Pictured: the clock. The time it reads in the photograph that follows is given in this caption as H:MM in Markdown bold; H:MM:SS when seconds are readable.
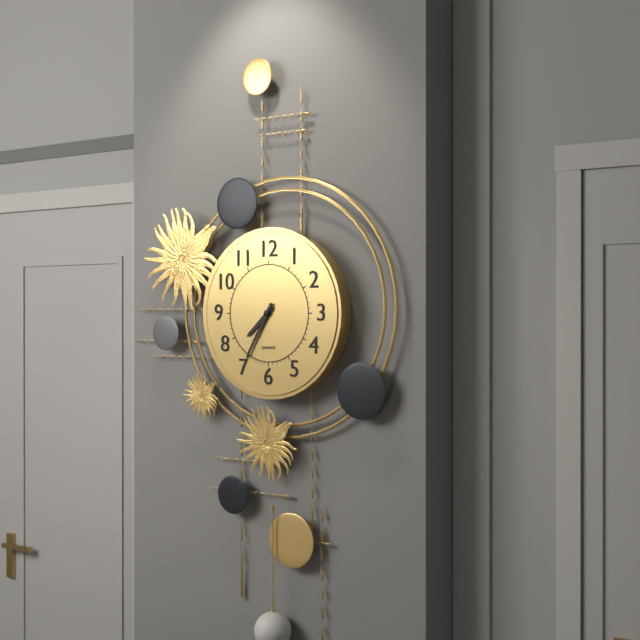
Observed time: **7:35**
